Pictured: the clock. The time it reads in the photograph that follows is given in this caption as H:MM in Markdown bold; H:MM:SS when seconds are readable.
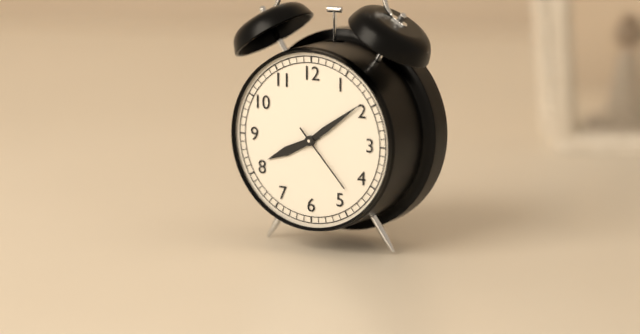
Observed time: **8:09:23**
